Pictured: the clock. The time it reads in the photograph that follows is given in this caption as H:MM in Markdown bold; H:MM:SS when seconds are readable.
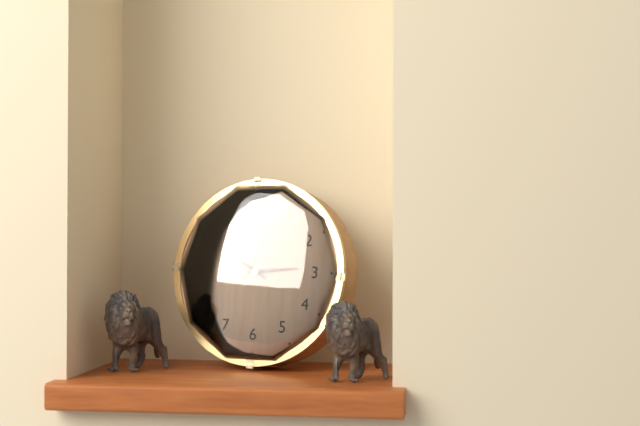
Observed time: **2:50:06**
